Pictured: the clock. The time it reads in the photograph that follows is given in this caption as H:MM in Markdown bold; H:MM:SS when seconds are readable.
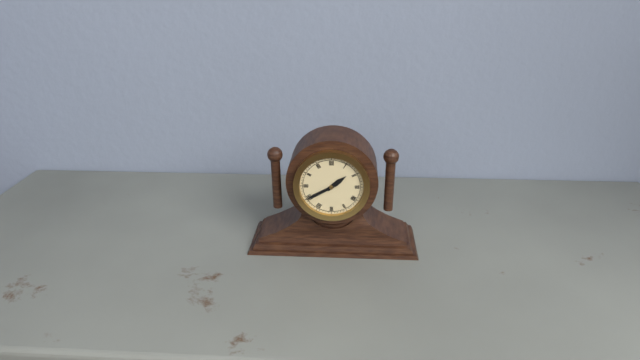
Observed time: **1:40**
